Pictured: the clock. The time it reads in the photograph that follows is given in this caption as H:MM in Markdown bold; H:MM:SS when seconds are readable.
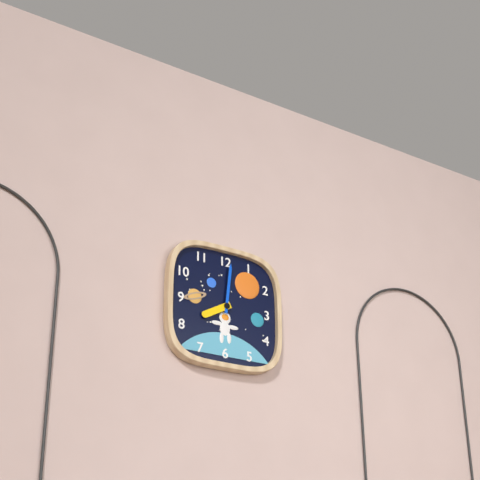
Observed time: **8:01**
